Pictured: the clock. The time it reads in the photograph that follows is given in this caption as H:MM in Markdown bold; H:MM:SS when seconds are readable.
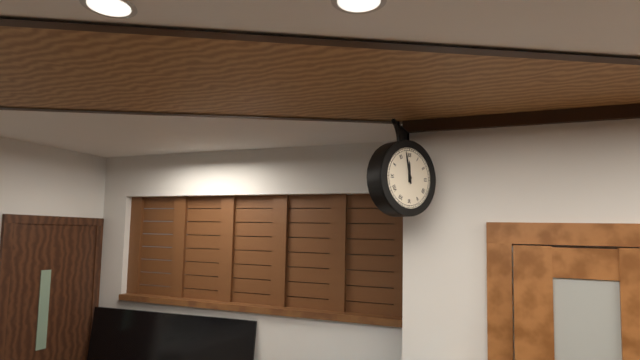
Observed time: **11:58**
